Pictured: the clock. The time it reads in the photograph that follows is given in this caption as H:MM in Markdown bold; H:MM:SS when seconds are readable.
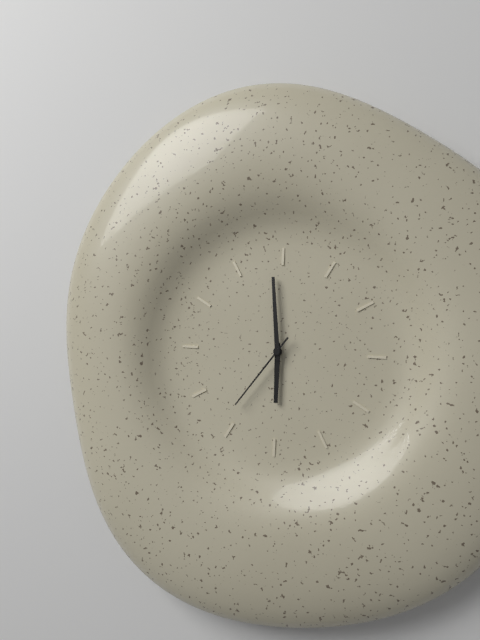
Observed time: **5:59:36**
